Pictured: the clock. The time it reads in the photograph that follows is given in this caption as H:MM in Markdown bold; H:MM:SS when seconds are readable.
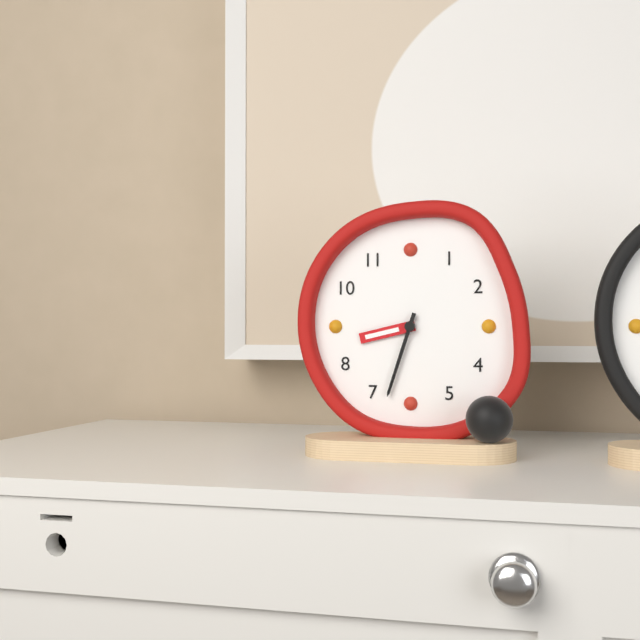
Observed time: **8:33**
